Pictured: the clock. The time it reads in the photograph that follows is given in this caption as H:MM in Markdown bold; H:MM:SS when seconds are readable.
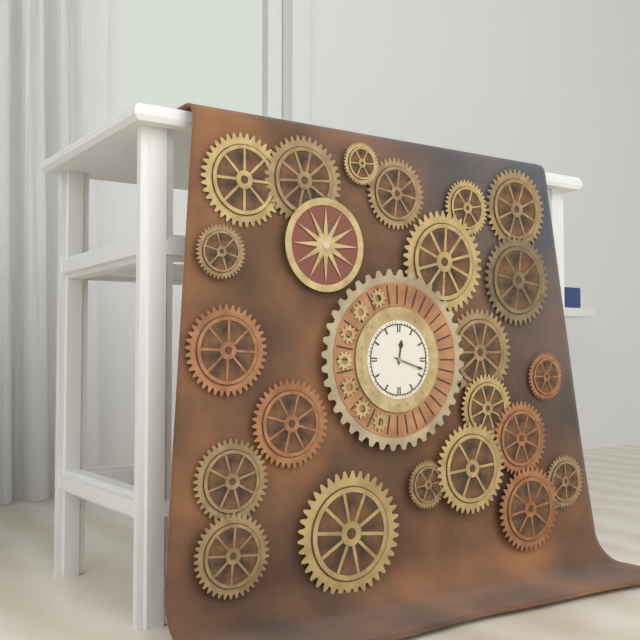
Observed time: **12:18**
